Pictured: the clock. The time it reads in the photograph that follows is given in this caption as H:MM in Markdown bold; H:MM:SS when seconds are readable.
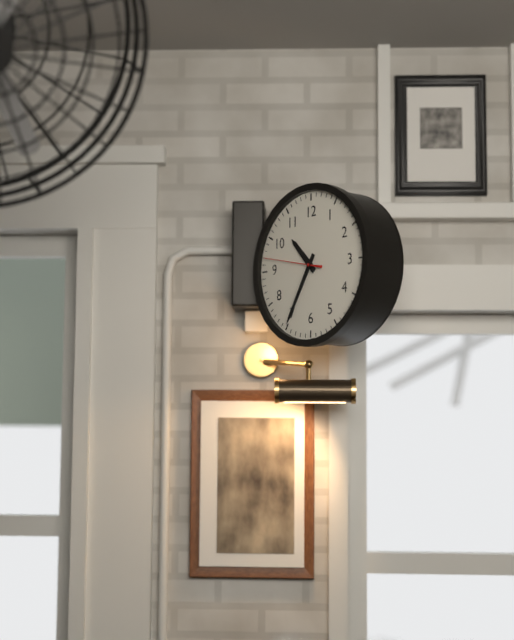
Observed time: **10:35:47**
